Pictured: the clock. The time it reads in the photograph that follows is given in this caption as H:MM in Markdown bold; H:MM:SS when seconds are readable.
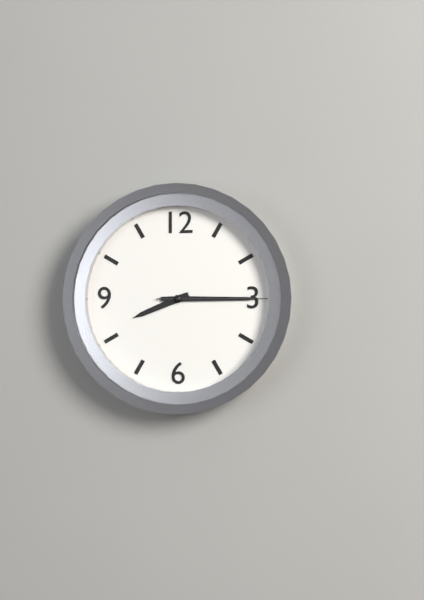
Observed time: **8:15:15**
